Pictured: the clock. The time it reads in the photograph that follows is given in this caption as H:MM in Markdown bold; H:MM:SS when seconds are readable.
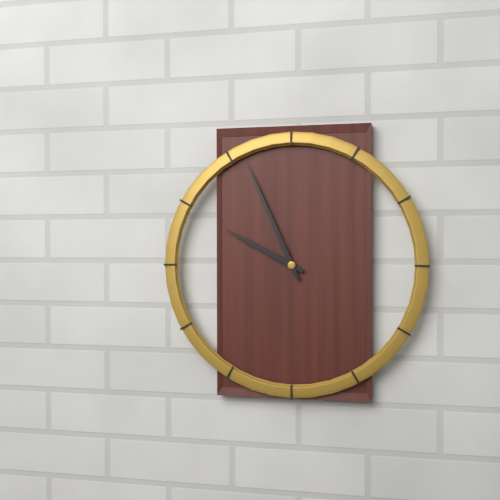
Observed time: **9:56**
